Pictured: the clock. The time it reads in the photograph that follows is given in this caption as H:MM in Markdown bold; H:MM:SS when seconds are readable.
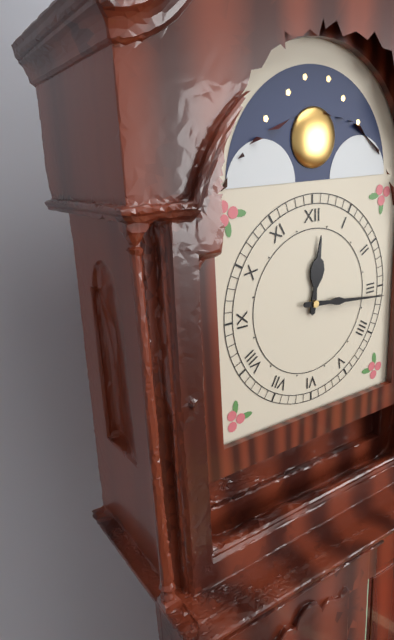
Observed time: **12:16**
